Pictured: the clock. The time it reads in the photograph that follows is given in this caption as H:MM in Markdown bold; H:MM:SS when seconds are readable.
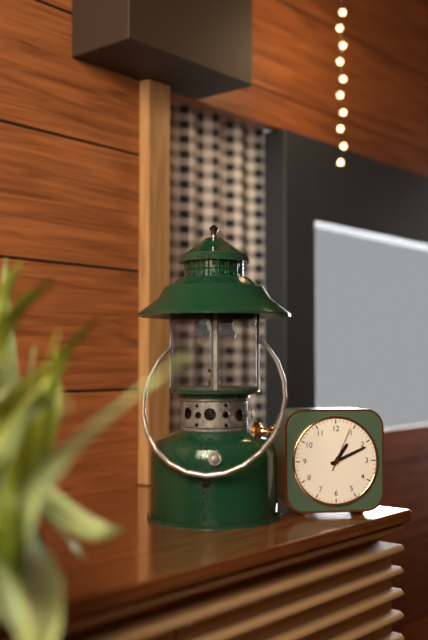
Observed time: **1:11**
